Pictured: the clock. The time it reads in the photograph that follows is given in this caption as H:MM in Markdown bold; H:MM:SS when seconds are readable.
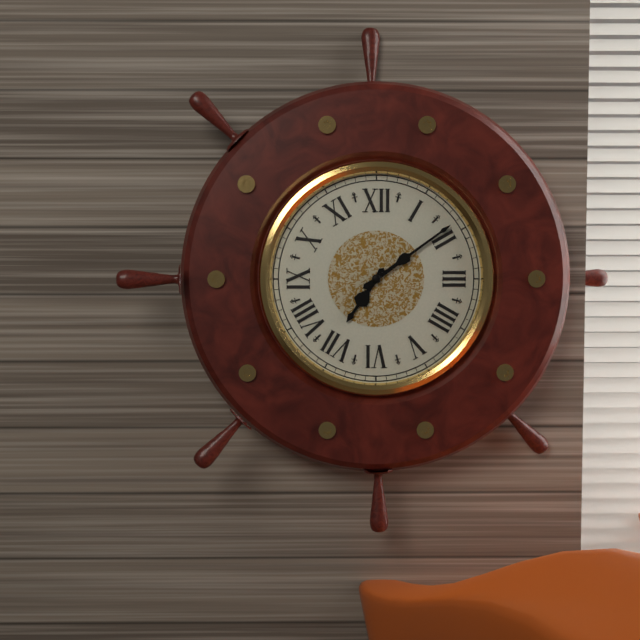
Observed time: **7:09**
